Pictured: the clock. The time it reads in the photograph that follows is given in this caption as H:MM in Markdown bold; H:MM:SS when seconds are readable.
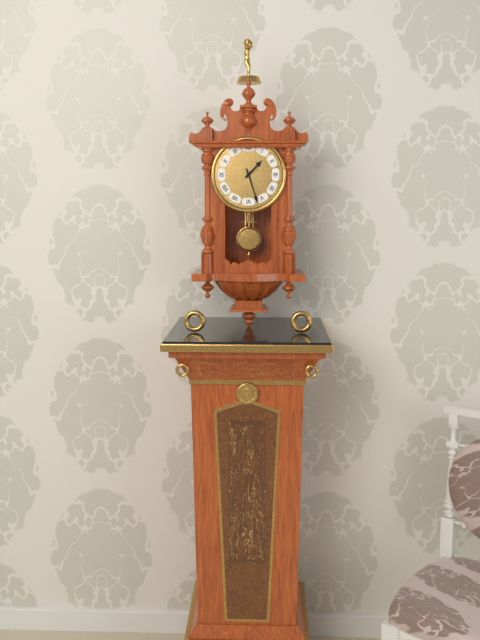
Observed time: **1:27**
